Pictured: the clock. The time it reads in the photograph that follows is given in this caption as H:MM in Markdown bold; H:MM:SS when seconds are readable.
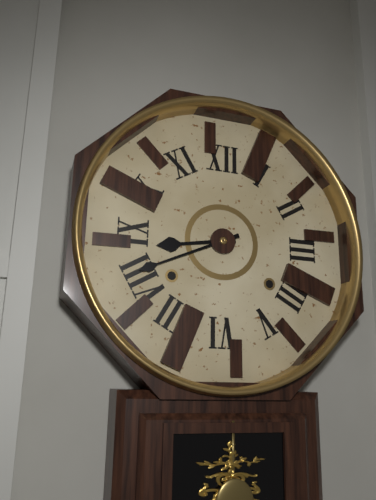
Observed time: **8:41**
